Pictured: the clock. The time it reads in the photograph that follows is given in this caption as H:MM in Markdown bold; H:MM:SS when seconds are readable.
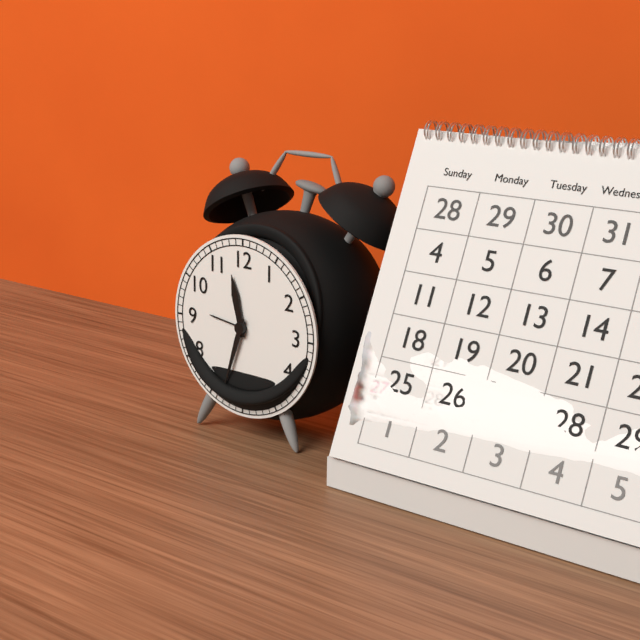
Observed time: **11:33**
